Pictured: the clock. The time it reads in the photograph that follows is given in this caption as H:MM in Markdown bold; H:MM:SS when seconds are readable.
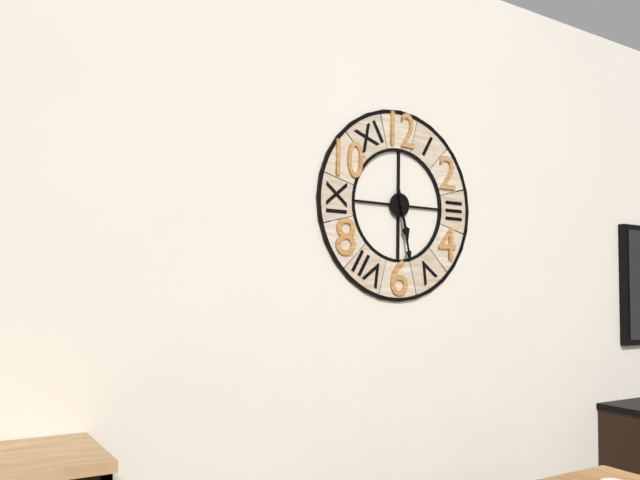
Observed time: **5:28**
